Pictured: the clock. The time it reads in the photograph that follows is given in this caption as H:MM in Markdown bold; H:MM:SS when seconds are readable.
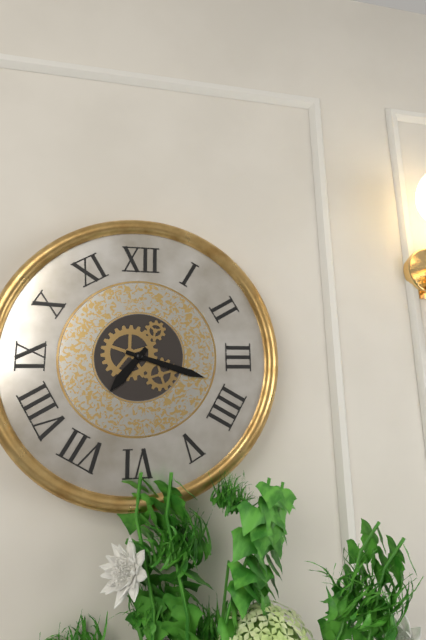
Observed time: **7:18**
